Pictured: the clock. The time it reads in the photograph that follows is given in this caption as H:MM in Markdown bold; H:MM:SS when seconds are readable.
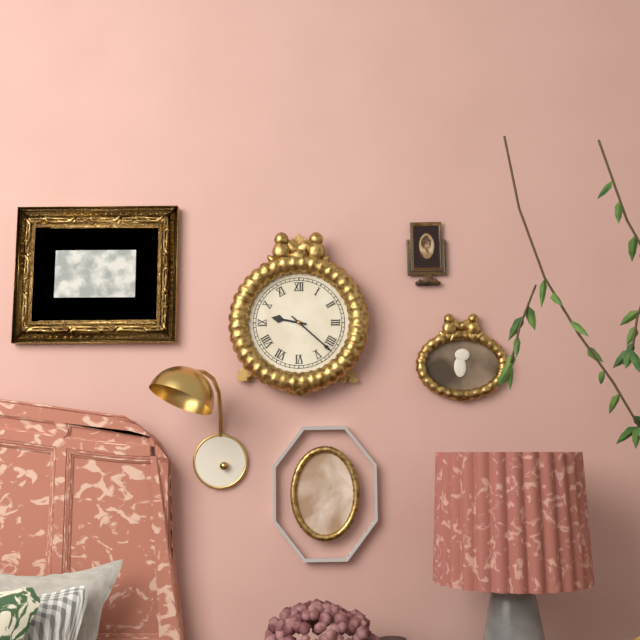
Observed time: **9:22**
